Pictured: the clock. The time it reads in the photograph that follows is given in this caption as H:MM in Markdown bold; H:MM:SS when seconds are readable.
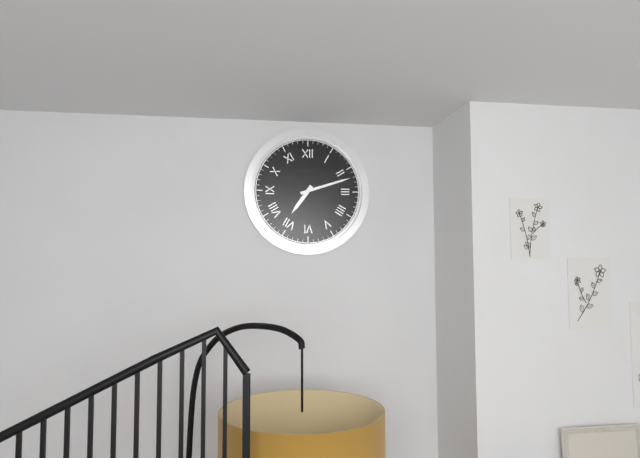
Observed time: **7:12**
